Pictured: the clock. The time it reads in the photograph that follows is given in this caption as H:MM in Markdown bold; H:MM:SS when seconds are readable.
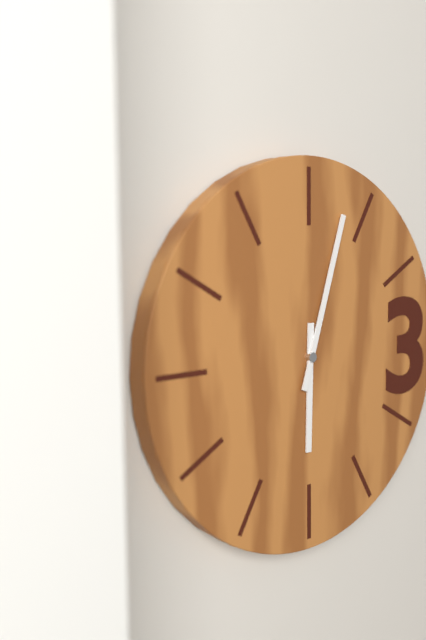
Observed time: **6:03**
